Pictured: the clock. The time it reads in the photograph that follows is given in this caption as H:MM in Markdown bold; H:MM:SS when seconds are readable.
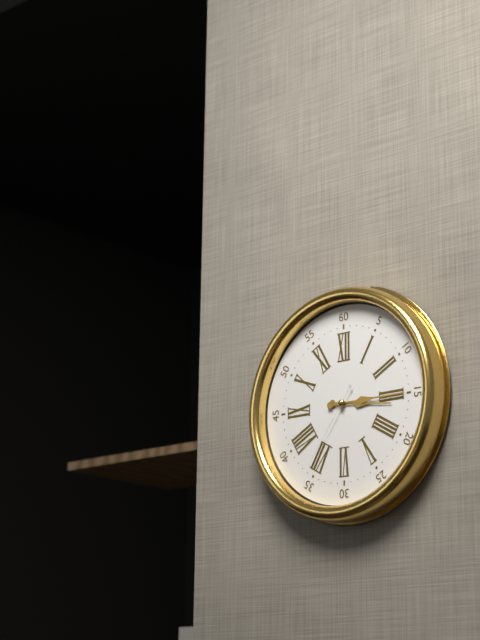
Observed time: **3:15:36**
